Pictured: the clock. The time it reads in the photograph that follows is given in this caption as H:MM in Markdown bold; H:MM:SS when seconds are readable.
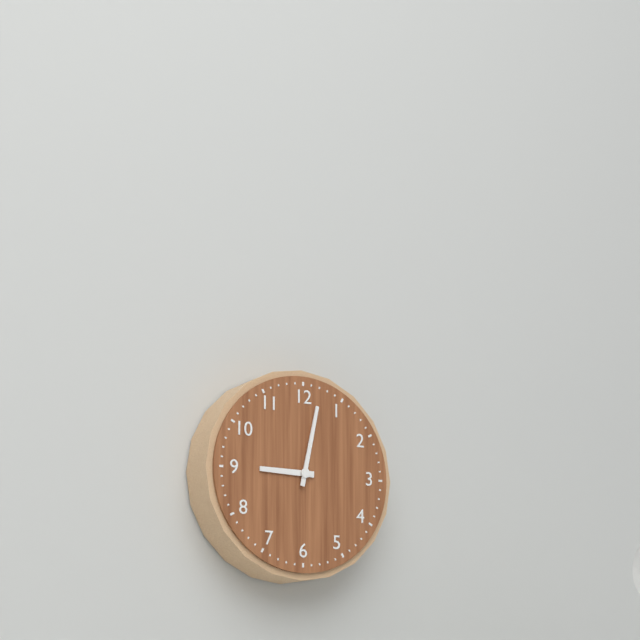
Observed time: **9:02**
